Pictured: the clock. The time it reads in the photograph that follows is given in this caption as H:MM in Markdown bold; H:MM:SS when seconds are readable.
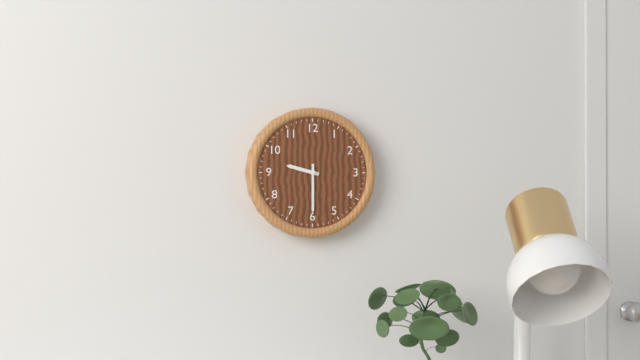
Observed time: **9:30**
